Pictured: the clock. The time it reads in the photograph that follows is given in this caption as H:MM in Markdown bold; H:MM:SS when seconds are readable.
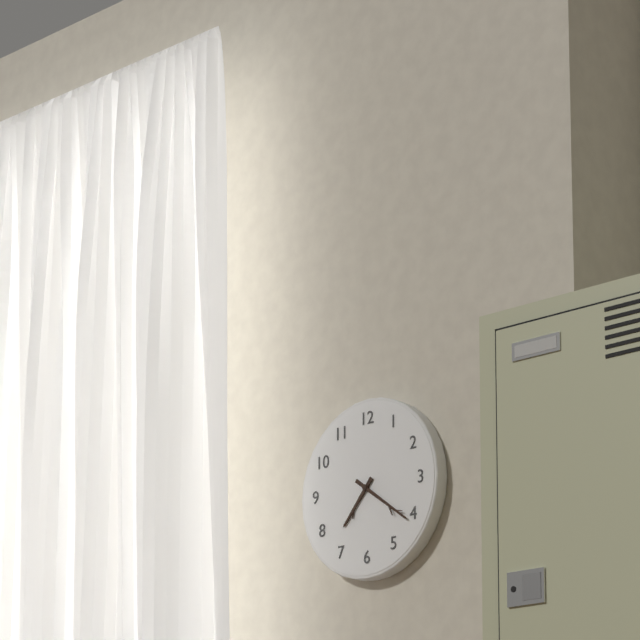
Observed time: **7:21**
